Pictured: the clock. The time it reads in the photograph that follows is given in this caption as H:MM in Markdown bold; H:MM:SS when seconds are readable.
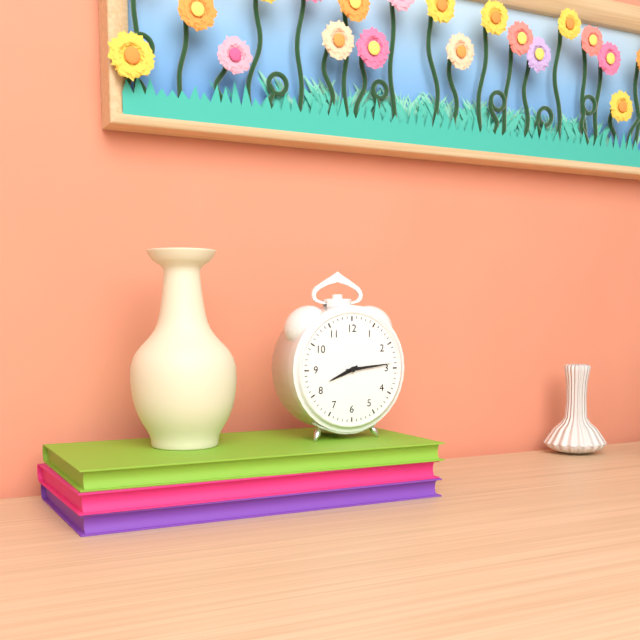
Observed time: **8:14**
